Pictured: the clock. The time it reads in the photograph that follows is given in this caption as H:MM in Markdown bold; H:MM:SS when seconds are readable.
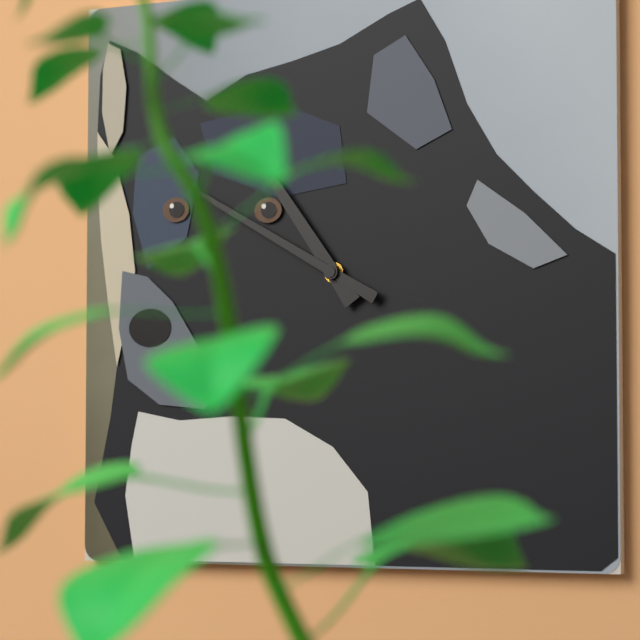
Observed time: **10:50**
